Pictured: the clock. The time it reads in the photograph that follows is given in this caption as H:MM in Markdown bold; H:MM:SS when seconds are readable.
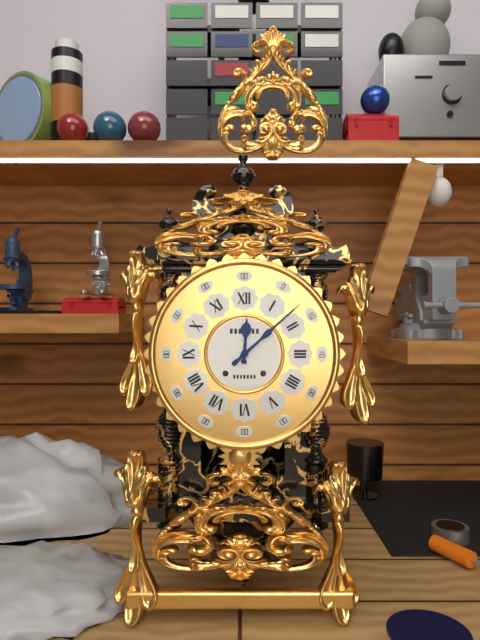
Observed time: **12:08**
